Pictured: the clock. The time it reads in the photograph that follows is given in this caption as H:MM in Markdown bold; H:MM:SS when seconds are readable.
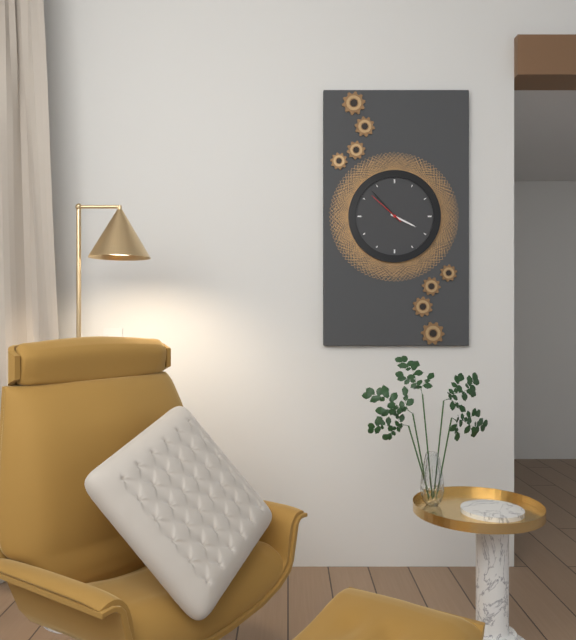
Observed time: **3:53**
